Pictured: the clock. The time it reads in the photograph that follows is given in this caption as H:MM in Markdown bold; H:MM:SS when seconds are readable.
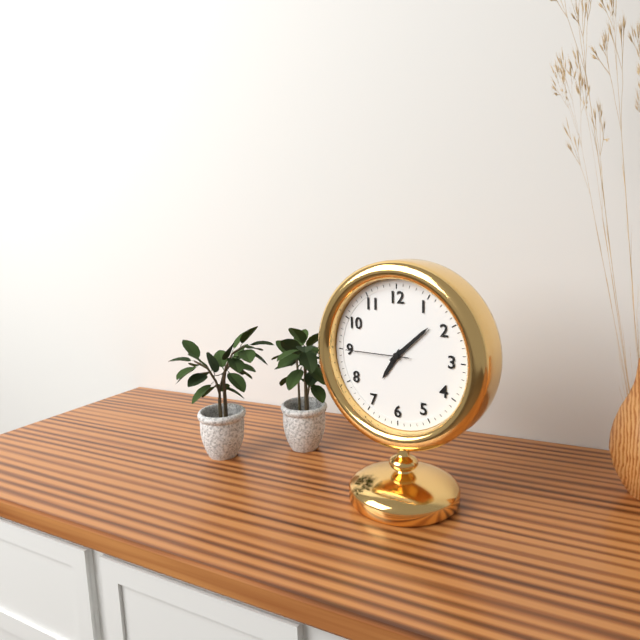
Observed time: **7:08:45**
